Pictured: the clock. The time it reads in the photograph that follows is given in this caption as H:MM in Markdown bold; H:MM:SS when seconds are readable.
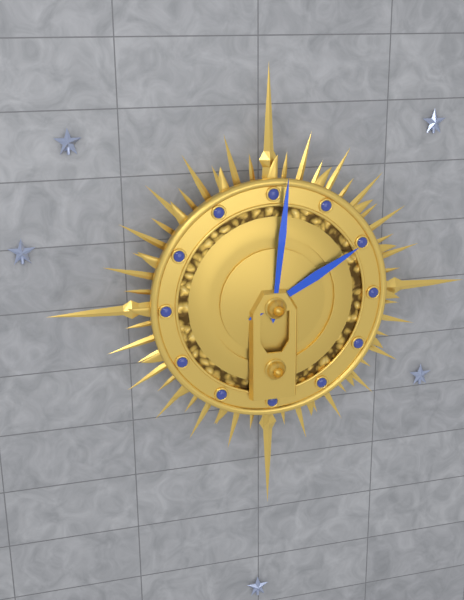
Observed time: **2:01**
